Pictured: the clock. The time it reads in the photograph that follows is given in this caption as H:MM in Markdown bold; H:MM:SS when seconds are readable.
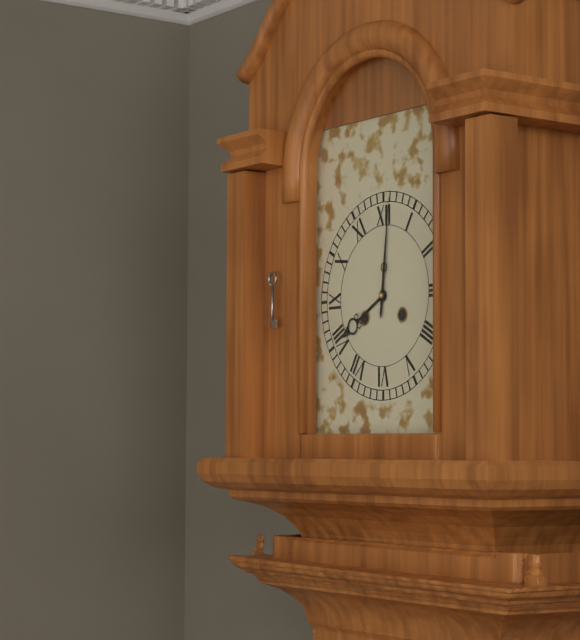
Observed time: **8:01**
